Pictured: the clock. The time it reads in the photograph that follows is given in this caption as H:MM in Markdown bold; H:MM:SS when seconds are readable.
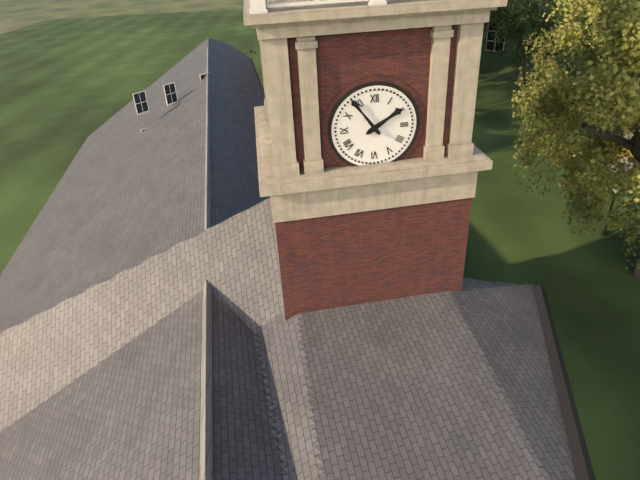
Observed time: **1:54**
